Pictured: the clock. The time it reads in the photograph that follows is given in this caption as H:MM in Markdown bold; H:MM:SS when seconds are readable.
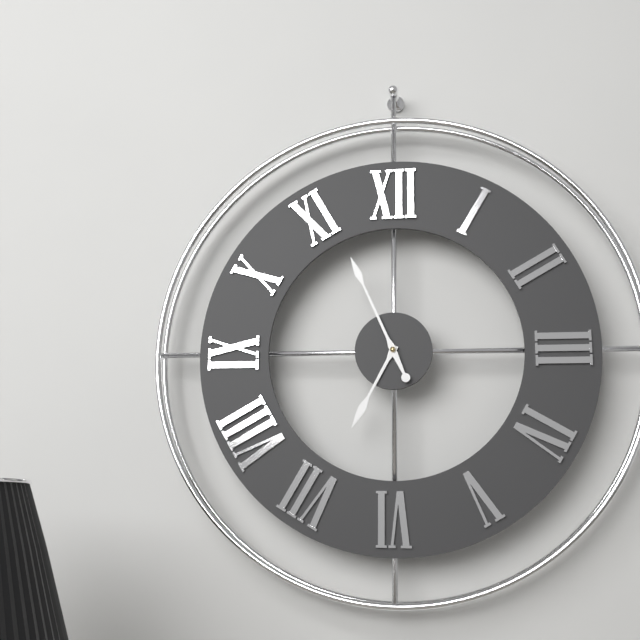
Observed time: **6:56**
